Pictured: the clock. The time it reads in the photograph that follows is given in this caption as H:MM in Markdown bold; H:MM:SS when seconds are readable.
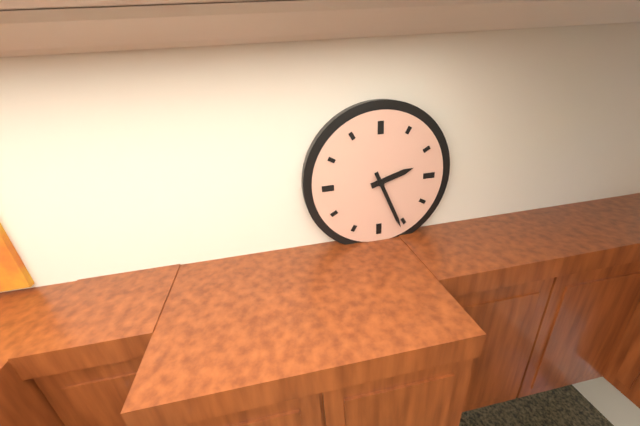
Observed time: **2:26**
